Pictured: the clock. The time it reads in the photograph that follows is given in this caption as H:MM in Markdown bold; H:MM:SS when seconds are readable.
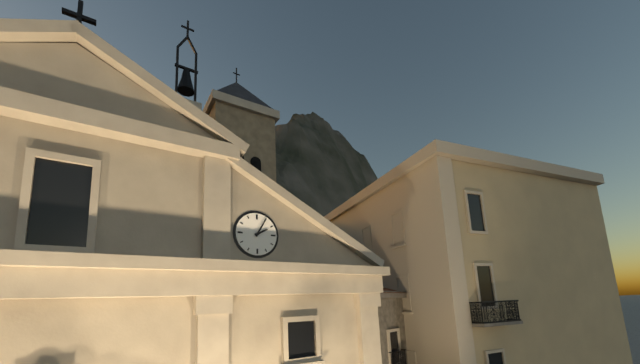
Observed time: **2:05**
